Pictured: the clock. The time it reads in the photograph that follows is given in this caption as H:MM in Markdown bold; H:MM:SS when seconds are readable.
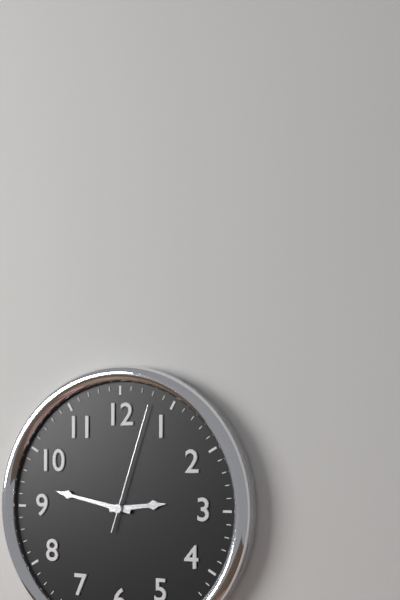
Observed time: **2:47:03**
